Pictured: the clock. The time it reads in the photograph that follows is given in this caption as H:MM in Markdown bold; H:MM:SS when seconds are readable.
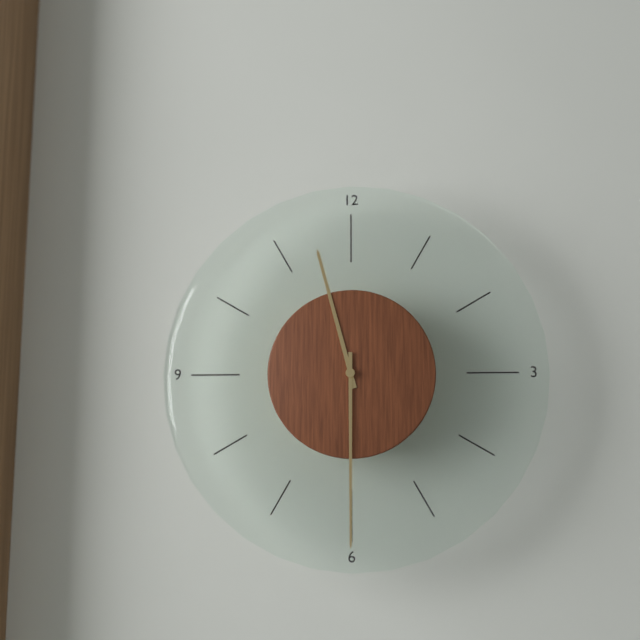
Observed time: **11:30**
